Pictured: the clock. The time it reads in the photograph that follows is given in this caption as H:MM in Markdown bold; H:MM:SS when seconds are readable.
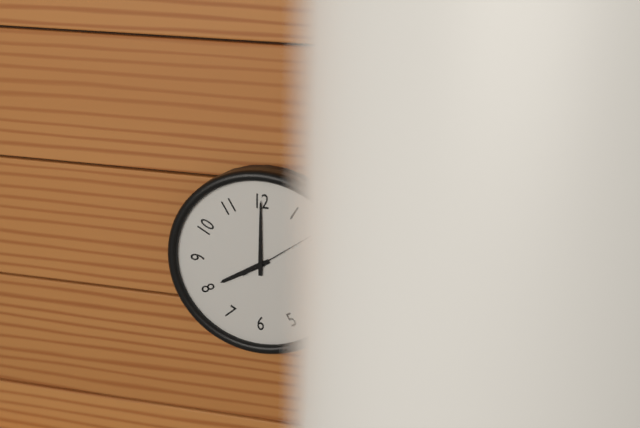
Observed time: **8:00**
